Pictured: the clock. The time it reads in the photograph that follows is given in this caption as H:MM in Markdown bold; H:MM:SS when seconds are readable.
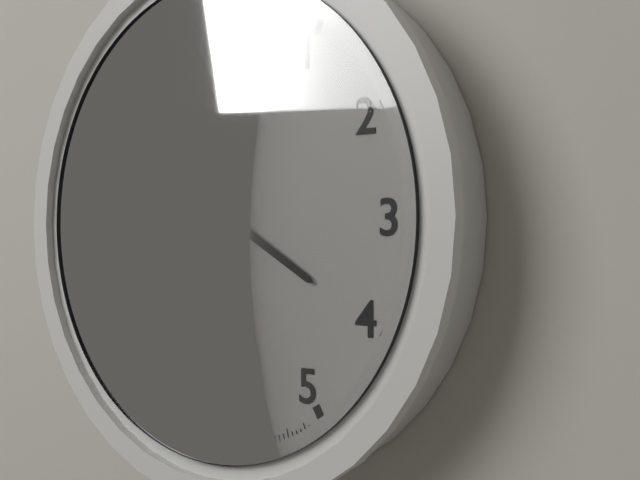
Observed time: **4:01:28**
